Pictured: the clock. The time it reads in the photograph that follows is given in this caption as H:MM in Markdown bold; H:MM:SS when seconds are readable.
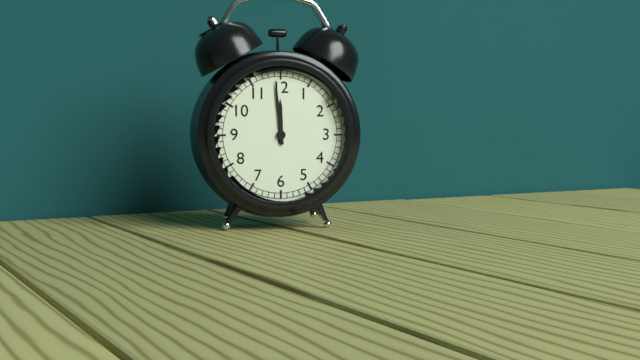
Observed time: **11:59**
